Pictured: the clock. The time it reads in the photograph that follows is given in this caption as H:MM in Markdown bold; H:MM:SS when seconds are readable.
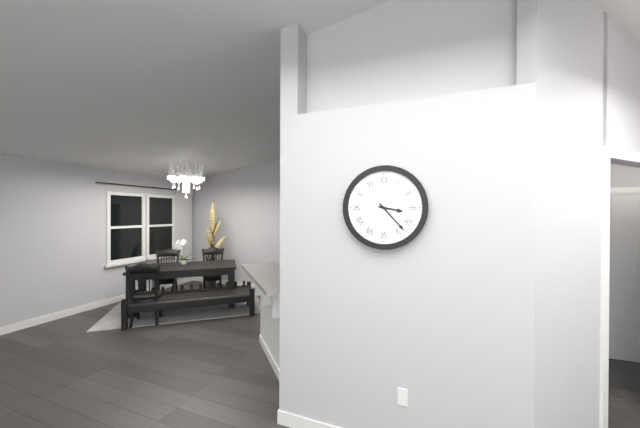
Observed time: **3:23**
